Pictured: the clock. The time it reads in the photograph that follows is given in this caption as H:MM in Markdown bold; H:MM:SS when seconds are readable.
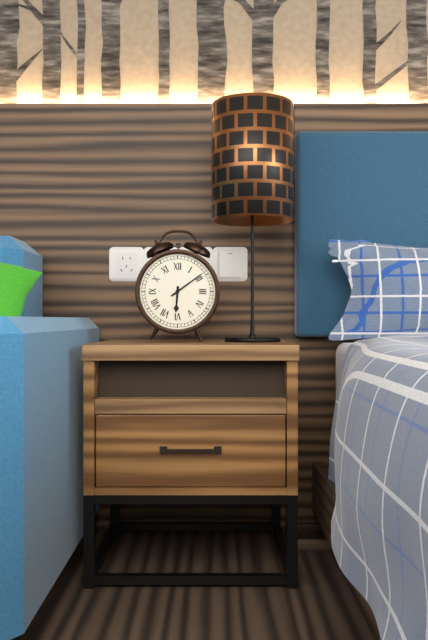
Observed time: **6:09**
